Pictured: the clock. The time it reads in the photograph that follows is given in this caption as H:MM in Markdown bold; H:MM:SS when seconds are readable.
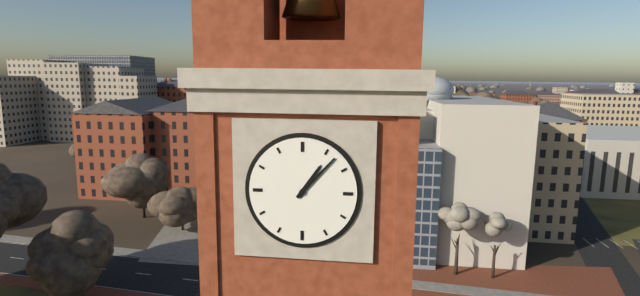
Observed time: **1:07**
